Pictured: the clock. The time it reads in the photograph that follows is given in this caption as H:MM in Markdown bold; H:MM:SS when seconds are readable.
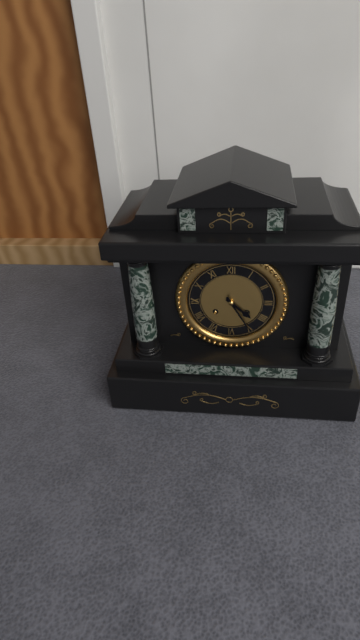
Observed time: **4:25**
